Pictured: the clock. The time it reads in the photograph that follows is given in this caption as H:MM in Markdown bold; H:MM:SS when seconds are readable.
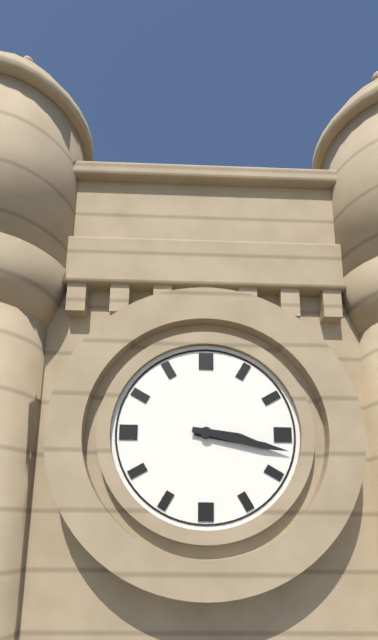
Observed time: **3:17**
